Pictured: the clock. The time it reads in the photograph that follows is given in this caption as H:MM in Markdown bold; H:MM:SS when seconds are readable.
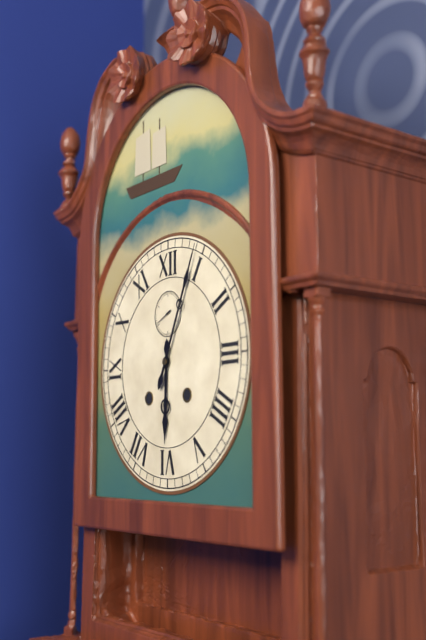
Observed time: **6:04**
